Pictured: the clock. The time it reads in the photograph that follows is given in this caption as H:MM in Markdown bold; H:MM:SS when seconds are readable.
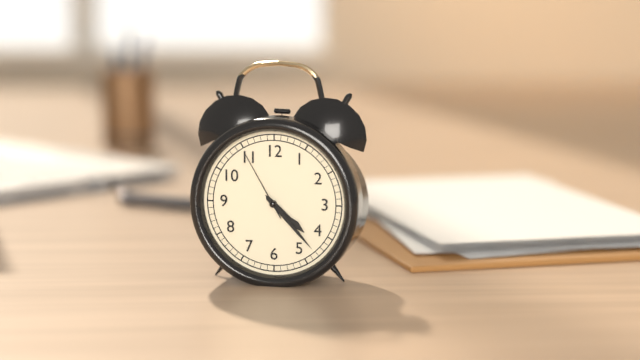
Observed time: **4:23:55**
